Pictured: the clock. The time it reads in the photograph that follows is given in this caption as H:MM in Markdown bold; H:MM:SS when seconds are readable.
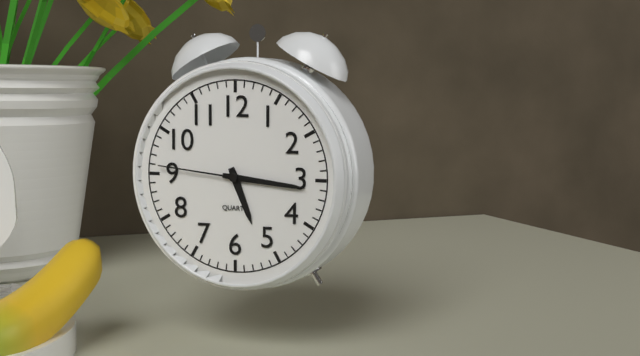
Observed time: **5:16:46**
